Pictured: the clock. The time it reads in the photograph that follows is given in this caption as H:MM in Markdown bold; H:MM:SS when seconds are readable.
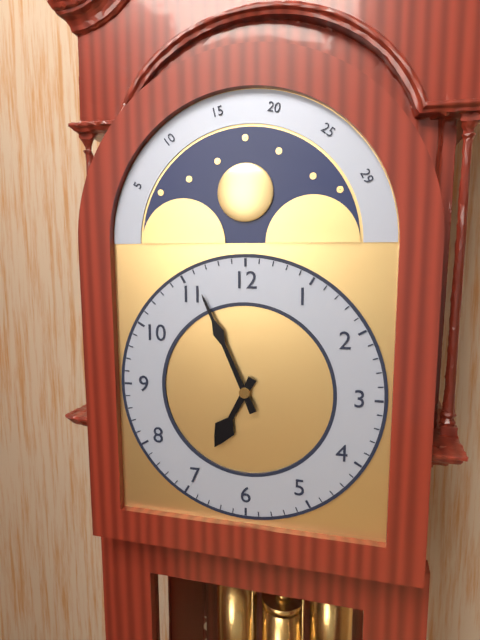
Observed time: **6:56**
